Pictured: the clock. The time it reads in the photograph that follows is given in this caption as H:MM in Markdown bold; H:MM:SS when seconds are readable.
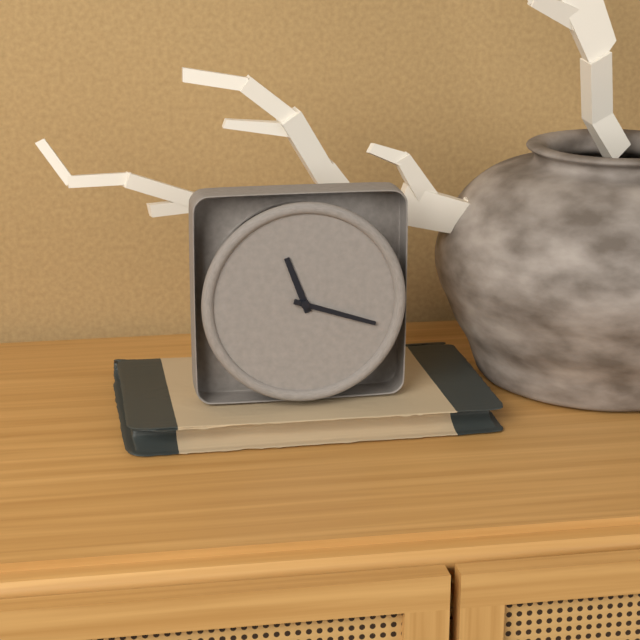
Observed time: **11:18**
